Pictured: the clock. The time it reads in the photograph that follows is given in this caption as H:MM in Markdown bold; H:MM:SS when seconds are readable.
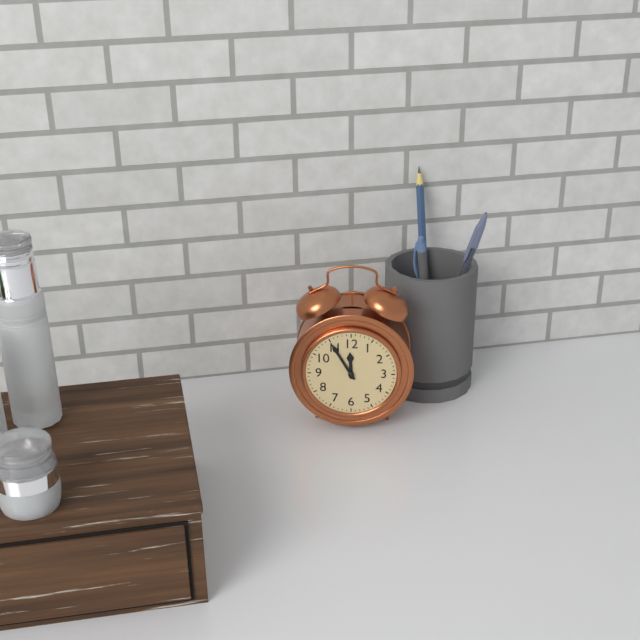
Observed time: **11:55**
